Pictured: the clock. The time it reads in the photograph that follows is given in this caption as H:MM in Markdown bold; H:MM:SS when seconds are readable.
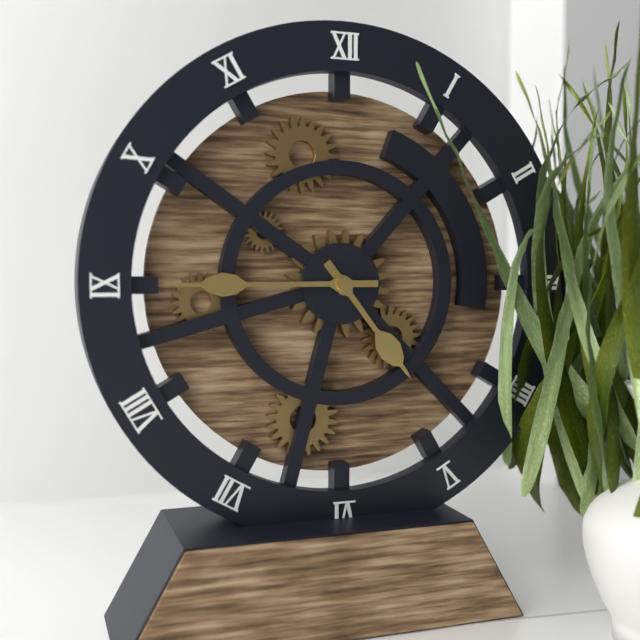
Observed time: **4:45**
